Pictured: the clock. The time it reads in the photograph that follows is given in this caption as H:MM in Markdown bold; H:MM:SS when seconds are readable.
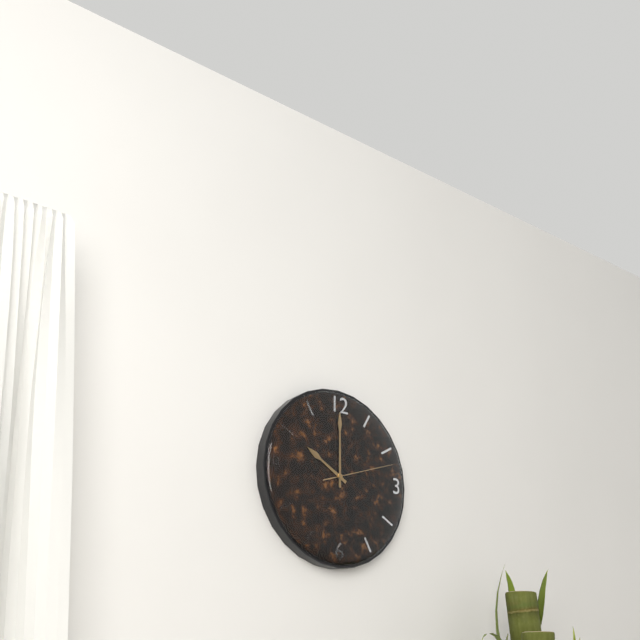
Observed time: **10:00:12**
